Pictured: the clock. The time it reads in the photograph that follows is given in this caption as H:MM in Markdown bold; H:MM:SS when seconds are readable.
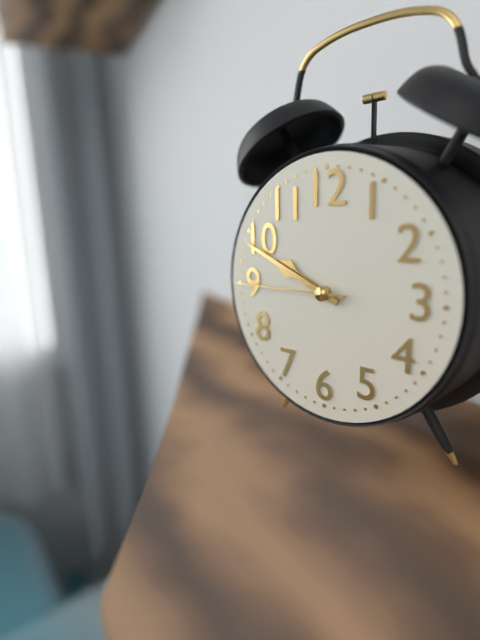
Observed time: **9:49:45**
